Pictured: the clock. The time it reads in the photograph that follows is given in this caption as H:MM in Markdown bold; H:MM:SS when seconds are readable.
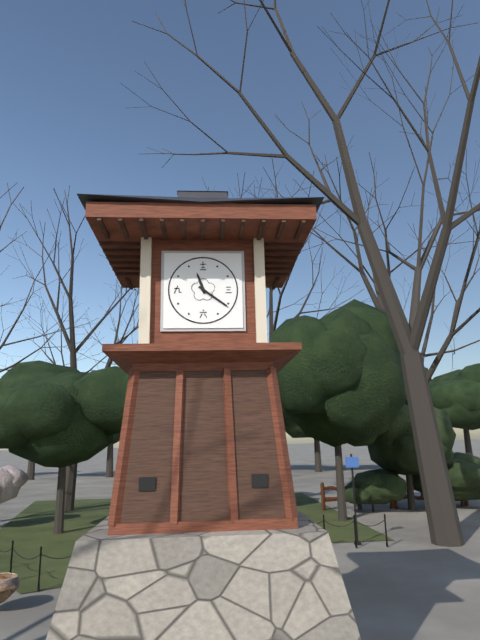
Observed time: **11:21**
